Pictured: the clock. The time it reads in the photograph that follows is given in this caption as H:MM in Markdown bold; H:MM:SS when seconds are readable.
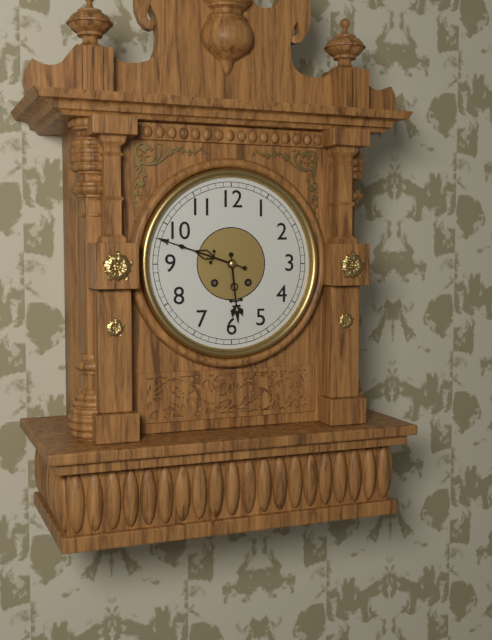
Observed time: **5:48**
